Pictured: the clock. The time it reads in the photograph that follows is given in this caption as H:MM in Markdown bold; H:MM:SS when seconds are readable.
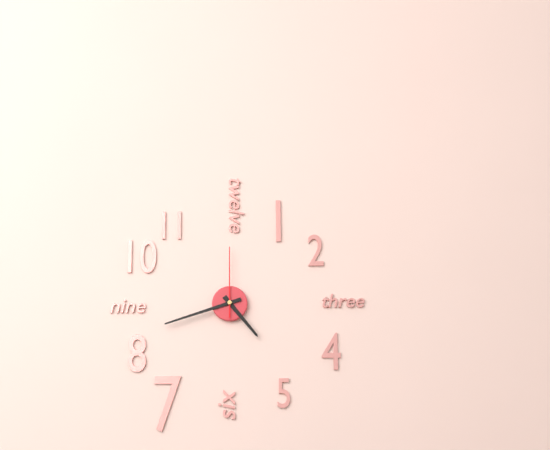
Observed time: **4:42:00**
